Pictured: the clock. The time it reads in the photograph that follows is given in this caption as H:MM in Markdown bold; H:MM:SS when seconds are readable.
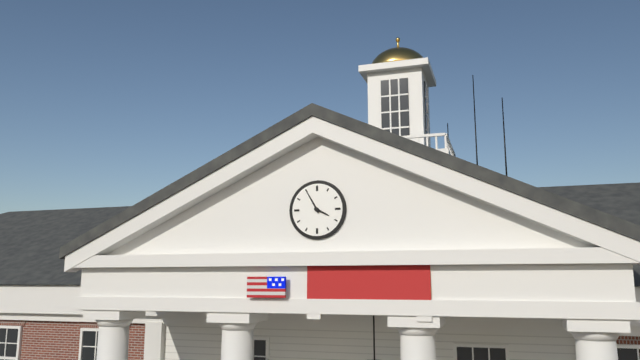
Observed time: **3:55**
